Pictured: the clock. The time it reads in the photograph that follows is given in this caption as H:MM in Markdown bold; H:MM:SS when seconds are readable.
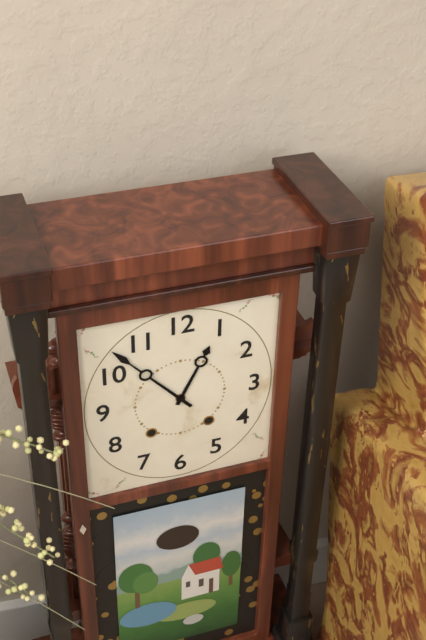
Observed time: **12:53**
